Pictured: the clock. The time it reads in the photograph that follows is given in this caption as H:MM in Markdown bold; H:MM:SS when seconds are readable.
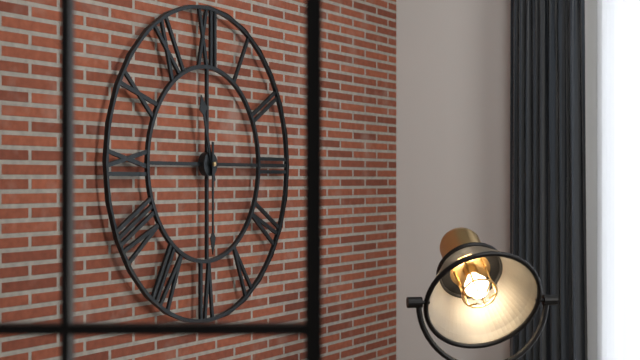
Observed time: **11:30**
